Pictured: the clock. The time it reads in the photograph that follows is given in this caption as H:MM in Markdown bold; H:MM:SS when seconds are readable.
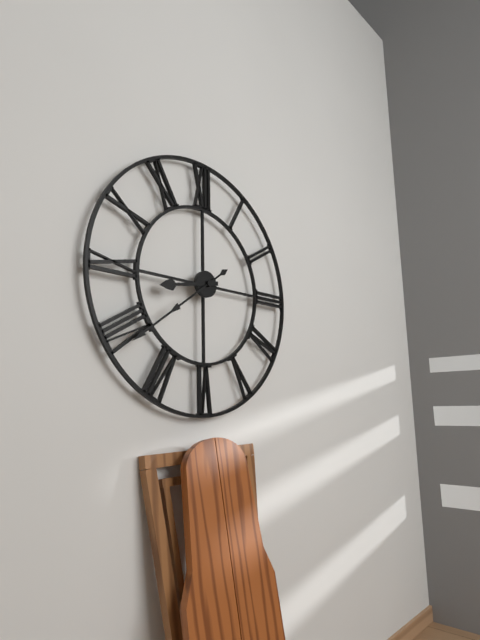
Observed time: **8:39**
